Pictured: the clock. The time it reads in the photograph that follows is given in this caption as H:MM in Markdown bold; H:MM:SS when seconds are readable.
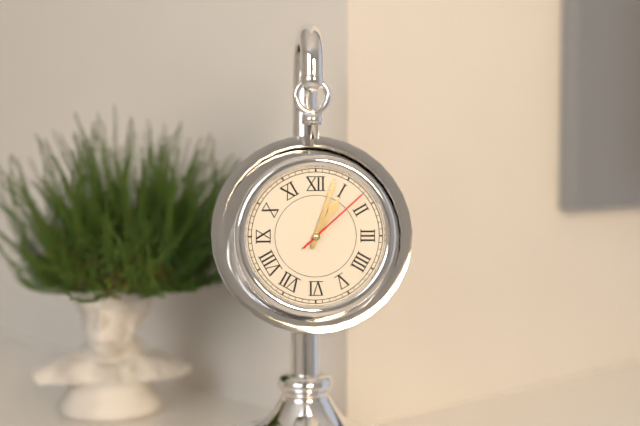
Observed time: **1:03:08**
